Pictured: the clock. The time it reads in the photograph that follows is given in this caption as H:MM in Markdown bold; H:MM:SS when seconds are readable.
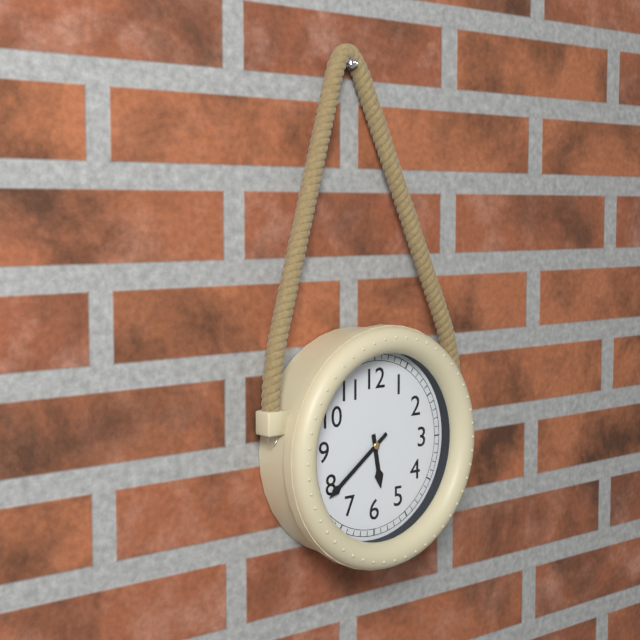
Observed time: **5:39**
